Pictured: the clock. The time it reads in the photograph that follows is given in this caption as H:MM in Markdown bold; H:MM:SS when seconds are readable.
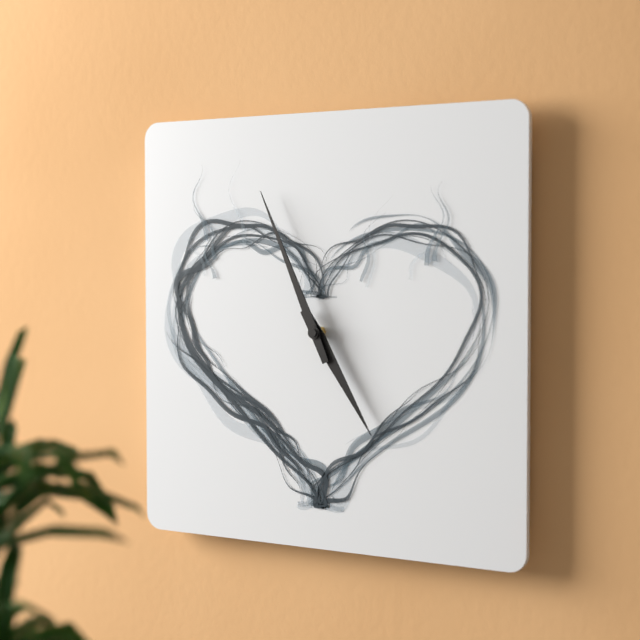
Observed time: **4:56**
